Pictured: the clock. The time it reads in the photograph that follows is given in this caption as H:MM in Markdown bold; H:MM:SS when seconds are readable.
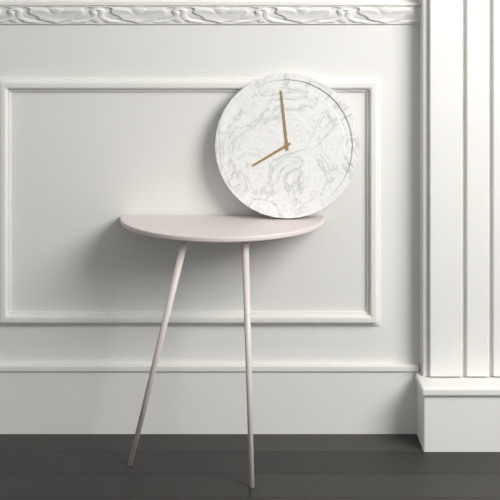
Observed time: **7:59**
